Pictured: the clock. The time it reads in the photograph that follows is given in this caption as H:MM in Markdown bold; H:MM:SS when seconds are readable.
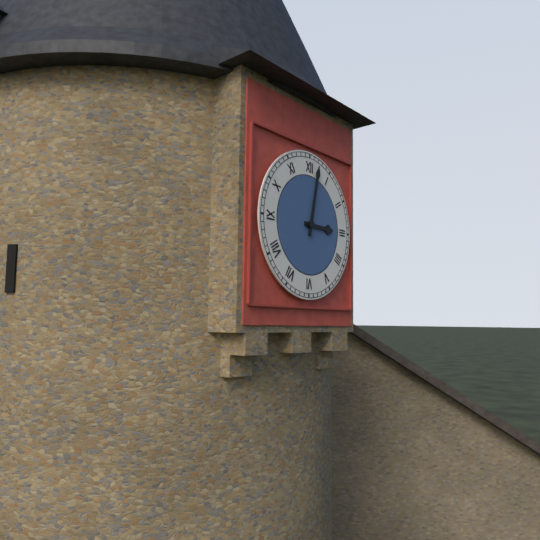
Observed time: **3:02**
